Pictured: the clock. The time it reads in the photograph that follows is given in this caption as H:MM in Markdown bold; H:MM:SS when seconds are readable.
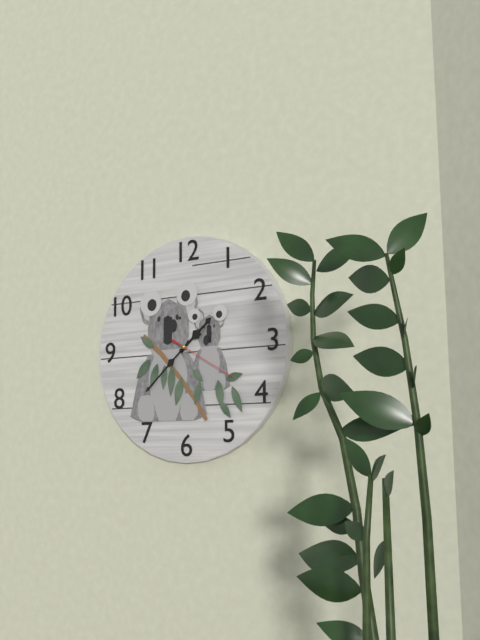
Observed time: **1:38:20**
